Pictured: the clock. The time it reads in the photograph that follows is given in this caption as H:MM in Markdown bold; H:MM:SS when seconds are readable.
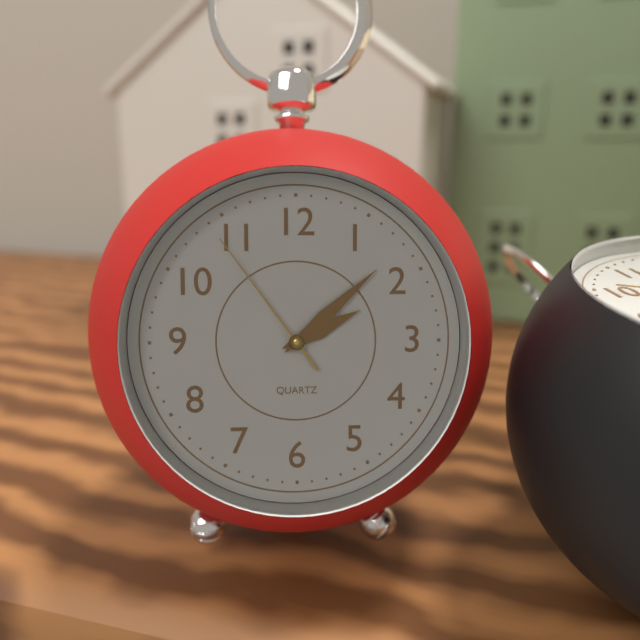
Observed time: **2:08:54**
